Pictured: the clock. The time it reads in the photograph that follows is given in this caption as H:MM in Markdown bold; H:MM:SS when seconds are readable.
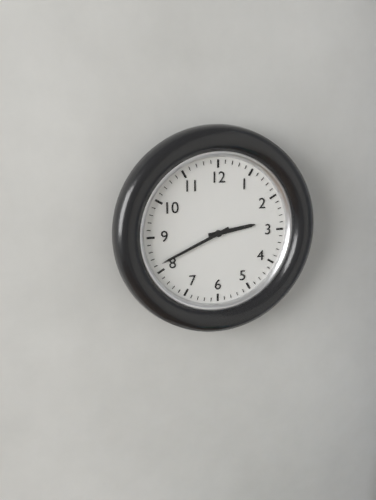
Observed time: **2:41**
